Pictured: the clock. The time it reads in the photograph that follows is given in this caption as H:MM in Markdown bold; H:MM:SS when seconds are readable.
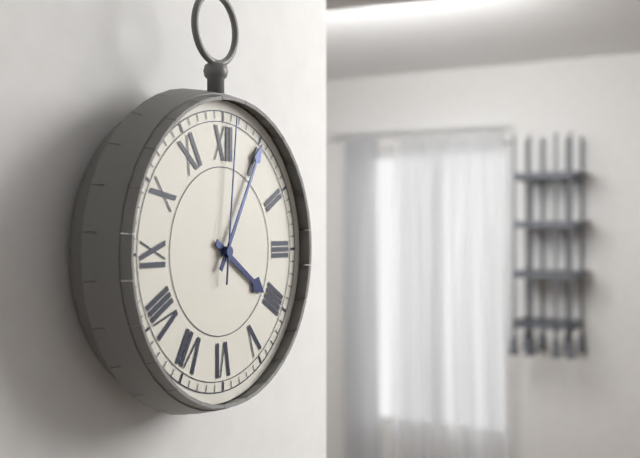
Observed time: **4:05:01**
